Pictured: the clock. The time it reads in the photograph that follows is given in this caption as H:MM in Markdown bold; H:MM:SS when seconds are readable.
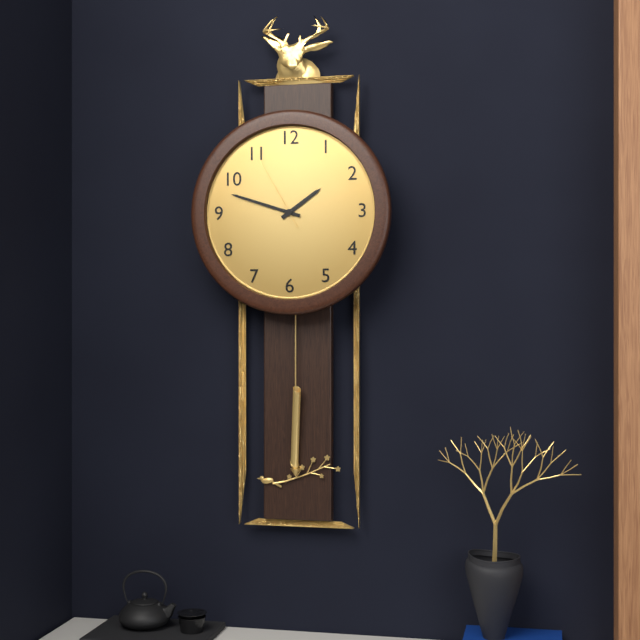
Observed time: **1:48:55**
